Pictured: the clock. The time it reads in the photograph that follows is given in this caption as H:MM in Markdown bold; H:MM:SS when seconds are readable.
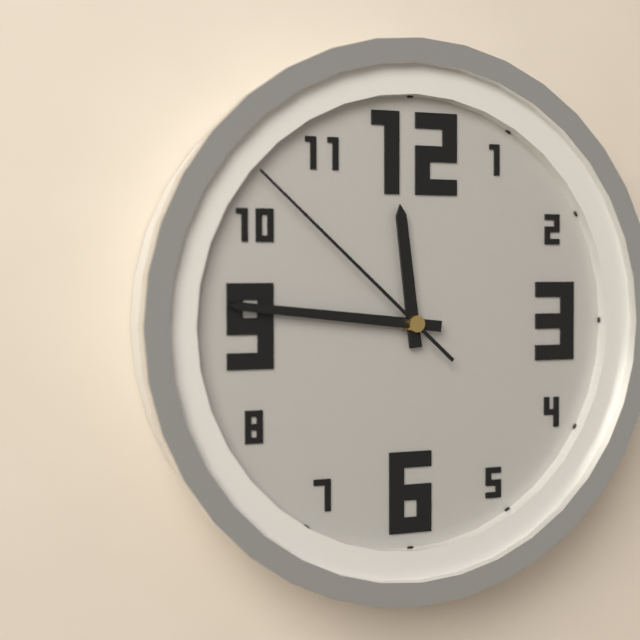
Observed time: **11:46:52**
